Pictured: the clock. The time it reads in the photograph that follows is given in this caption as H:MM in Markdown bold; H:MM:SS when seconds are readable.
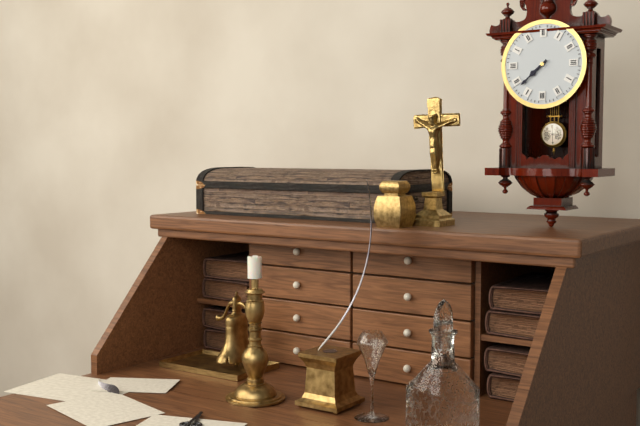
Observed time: **7:38**
